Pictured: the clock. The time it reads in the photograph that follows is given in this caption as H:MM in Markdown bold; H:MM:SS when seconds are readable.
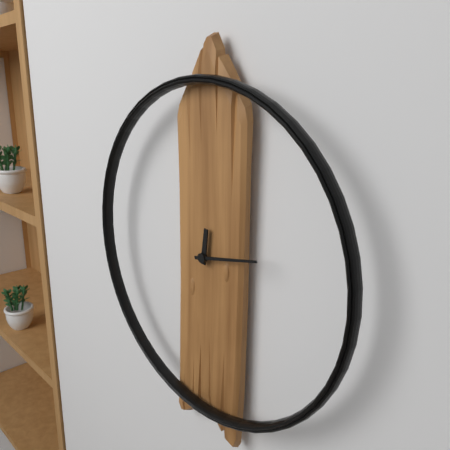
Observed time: **12:13**
